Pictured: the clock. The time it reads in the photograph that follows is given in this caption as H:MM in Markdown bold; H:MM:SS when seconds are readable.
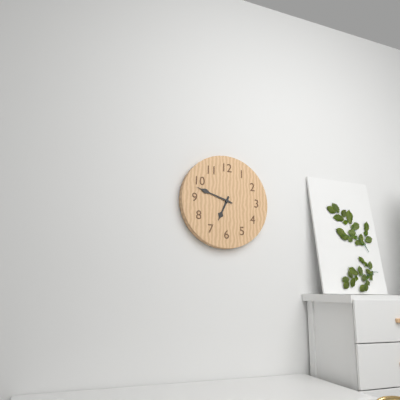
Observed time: **6:48**
